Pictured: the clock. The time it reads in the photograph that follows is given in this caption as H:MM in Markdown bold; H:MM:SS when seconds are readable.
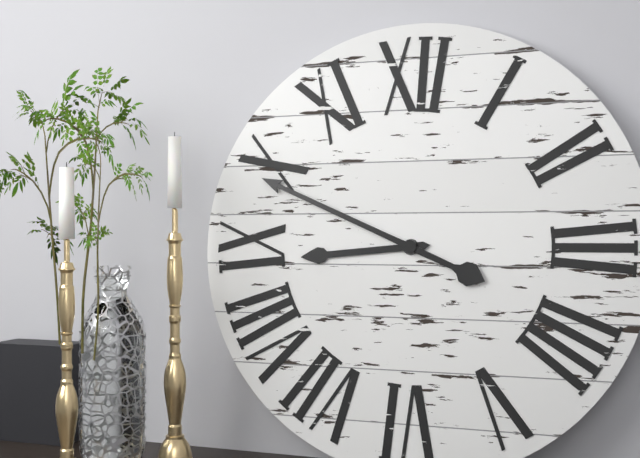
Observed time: **8:49**
